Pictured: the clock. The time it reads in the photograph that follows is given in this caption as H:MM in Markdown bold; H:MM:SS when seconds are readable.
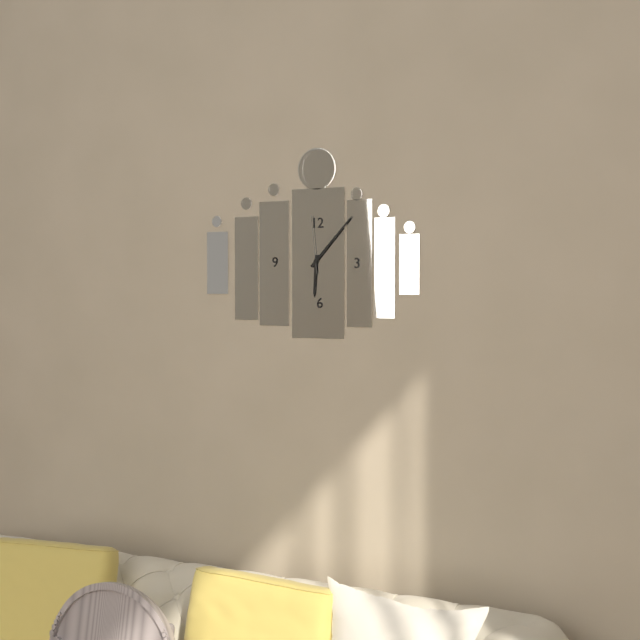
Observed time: **6:07:59**
